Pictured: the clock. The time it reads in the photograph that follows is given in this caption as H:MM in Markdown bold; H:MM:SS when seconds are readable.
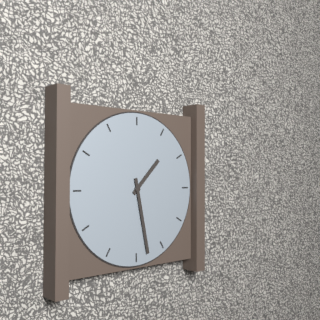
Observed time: **1:28**
